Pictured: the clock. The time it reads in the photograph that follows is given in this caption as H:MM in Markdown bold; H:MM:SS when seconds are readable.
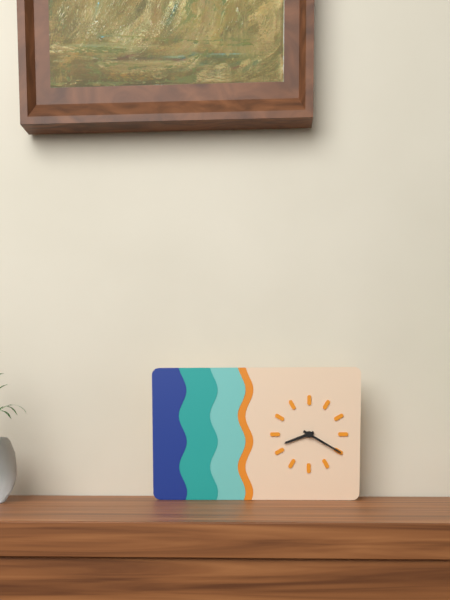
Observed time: **8:20**
